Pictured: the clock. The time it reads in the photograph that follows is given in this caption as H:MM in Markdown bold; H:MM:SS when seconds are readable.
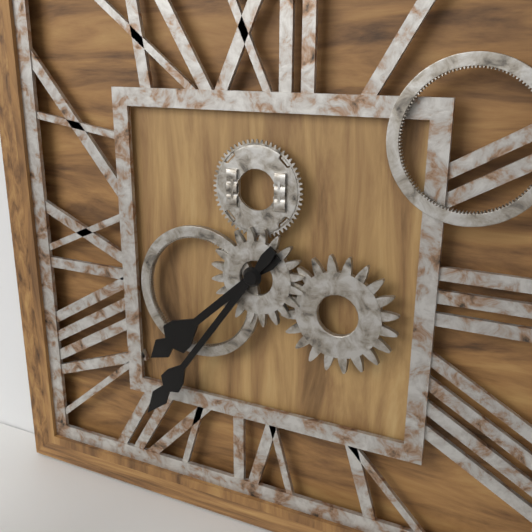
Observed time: **7:36**
